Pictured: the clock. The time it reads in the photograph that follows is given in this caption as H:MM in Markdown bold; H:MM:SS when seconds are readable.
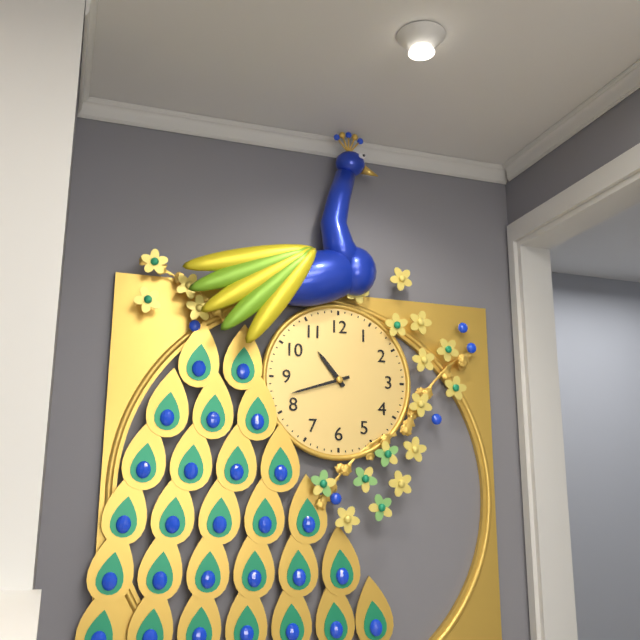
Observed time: **10:42**
